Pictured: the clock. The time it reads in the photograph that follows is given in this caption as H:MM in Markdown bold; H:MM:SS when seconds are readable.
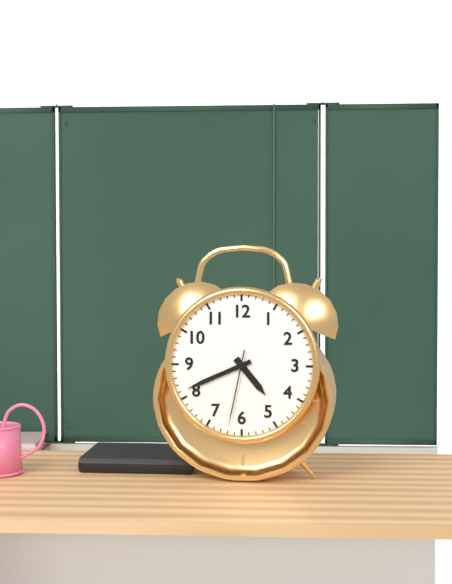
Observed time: **4:41:32**
